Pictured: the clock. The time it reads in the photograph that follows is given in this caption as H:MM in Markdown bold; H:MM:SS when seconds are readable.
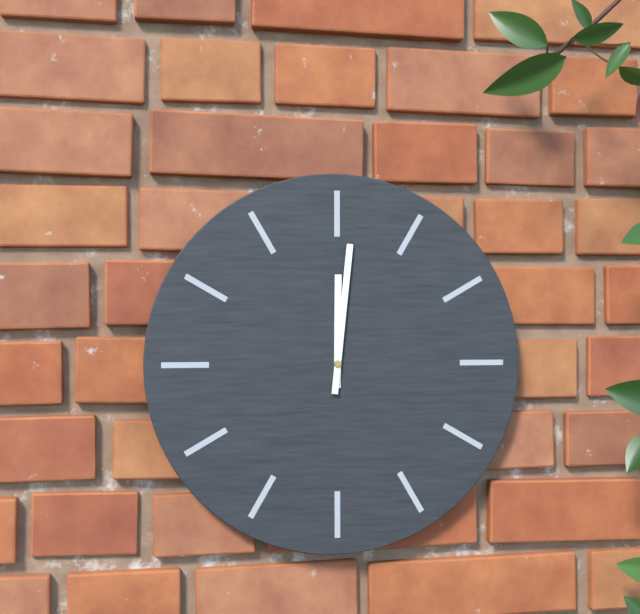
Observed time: **12:01**
